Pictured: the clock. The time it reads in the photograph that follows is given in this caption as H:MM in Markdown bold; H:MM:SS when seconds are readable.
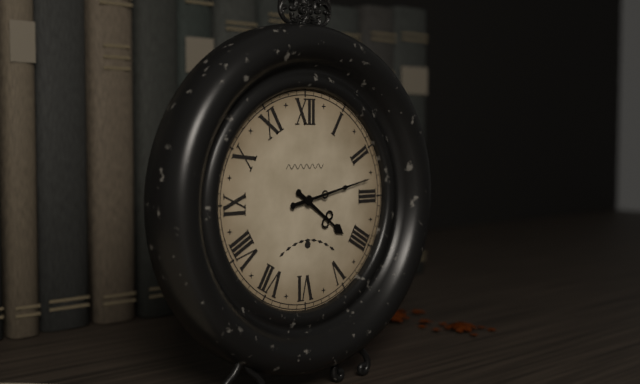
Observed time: **4:13**
